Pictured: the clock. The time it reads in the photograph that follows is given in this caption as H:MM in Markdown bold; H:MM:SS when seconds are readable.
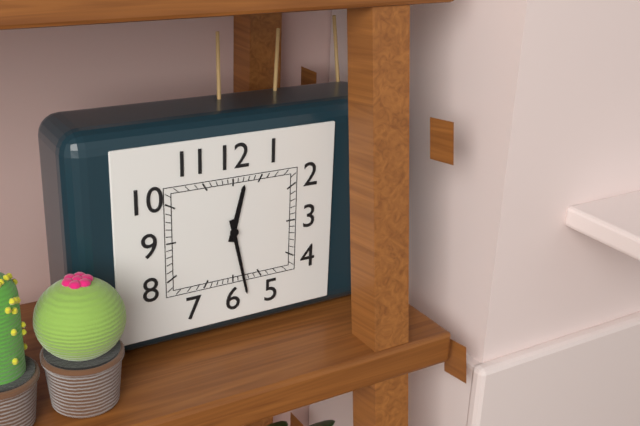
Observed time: **12:28**
